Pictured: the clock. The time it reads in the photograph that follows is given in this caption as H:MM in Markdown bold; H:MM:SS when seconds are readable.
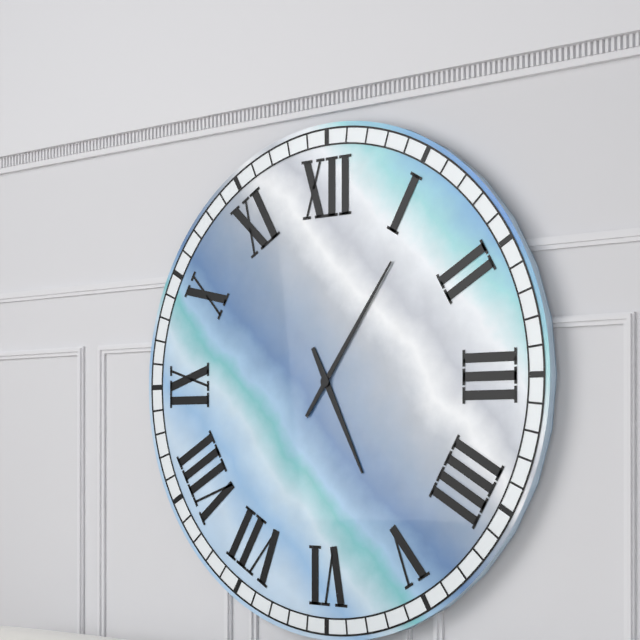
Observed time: **5:06**
